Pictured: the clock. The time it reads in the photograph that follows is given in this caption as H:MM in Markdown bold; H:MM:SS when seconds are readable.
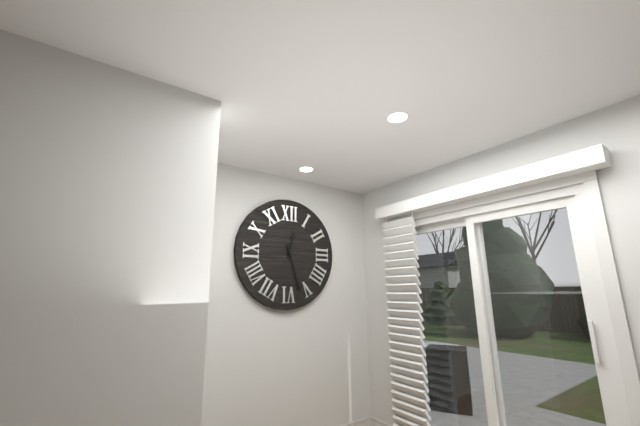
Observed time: **12:27**
